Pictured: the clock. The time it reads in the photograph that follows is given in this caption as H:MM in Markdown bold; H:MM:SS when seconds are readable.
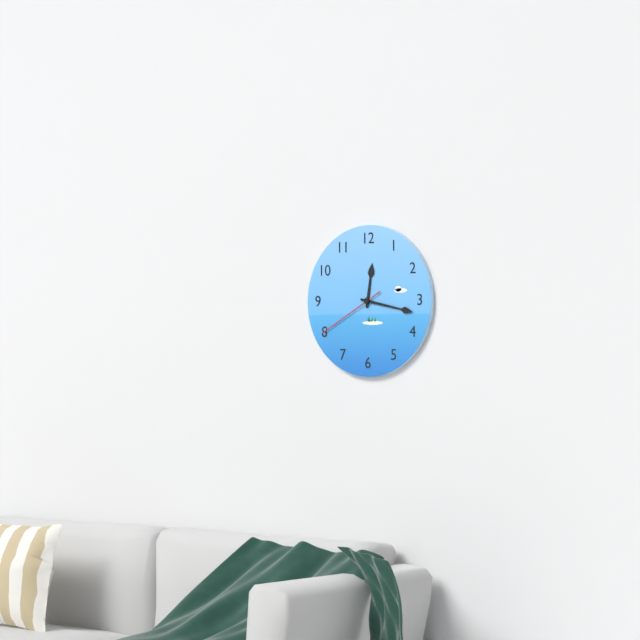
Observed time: **12:17:40**
